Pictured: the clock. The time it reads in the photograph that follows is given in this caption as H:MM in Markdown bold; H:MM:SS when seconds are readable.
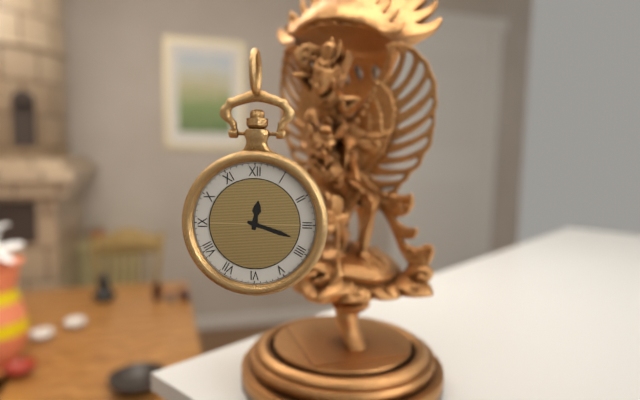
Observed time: **12:18**
